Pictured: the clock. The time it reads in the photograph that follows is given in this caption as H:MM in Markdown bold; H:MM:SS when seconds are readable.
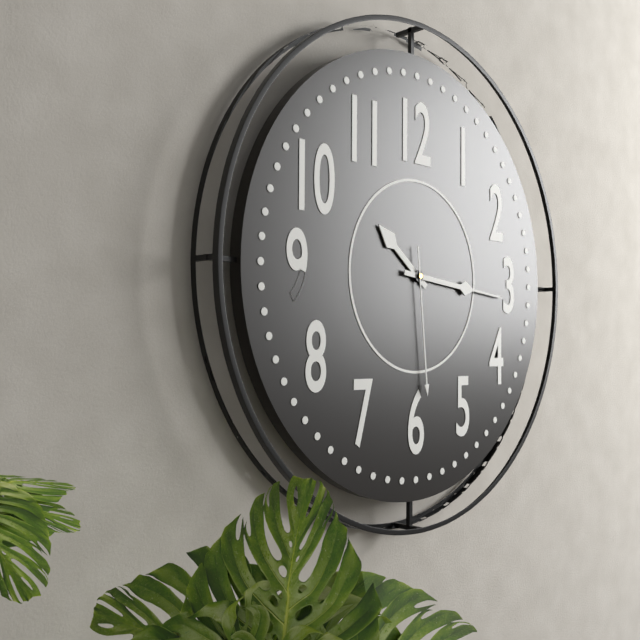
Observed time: **10:16:29**
